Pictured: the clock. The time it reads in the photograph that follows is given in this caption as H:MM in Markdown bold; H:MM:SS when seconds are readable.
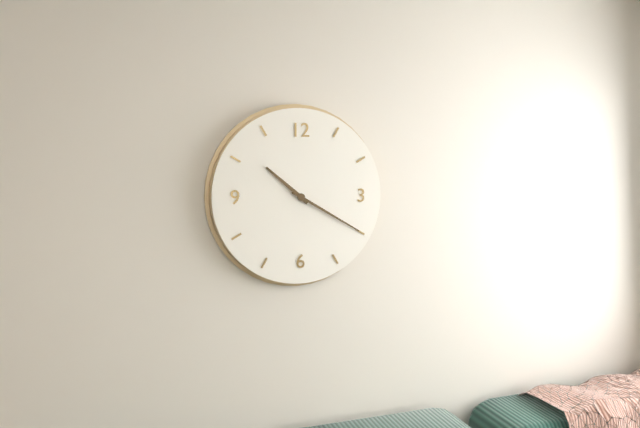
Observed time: **10:20**
